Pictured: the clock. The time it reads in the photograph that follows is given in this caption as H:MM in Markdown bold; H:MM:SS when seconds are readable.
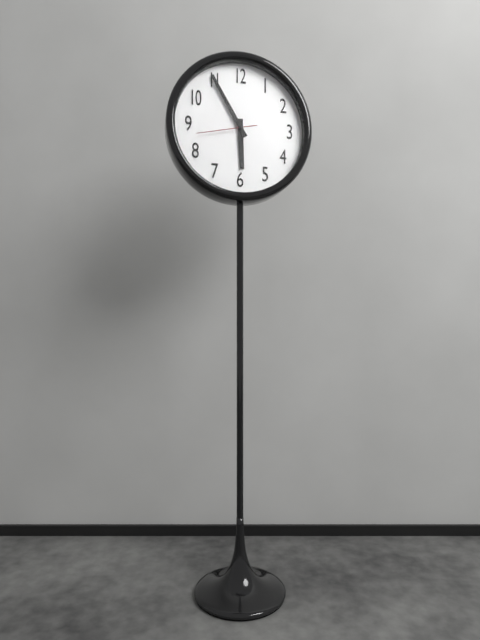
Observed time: **5:55:43**
